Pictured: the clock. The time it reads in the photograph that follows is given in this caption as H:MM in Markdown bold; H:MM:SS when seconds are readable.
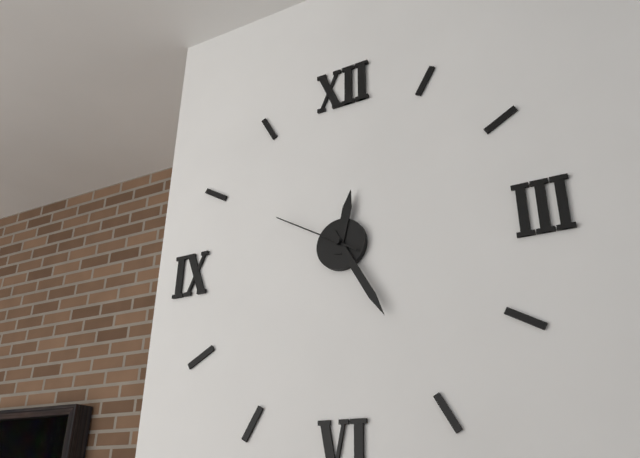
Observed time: **12:25:50**
